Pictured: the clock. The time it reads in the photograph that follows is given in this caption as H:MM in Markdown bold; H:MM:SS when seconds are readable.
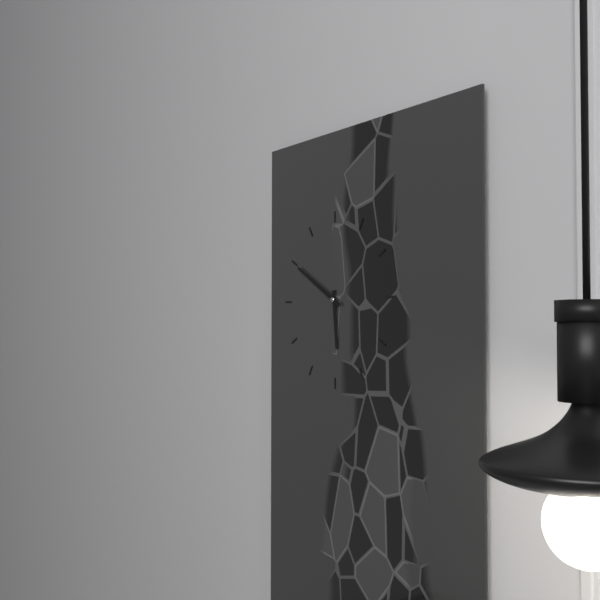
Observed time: **5:50**
